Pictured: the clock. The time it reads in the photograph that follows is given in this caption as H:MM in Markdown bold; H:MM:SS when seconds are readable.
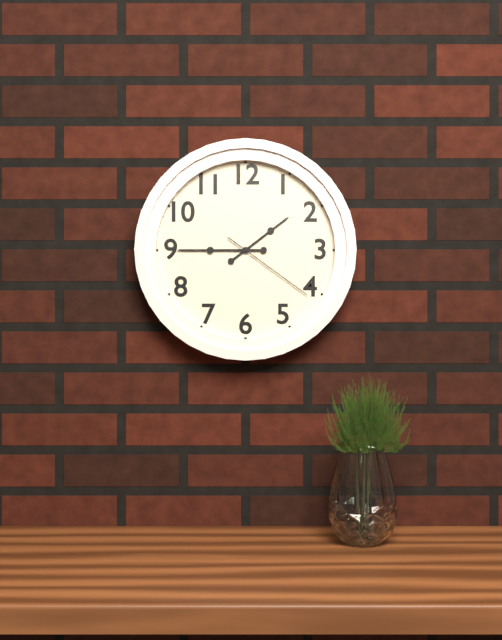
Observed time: **1:45:21**
